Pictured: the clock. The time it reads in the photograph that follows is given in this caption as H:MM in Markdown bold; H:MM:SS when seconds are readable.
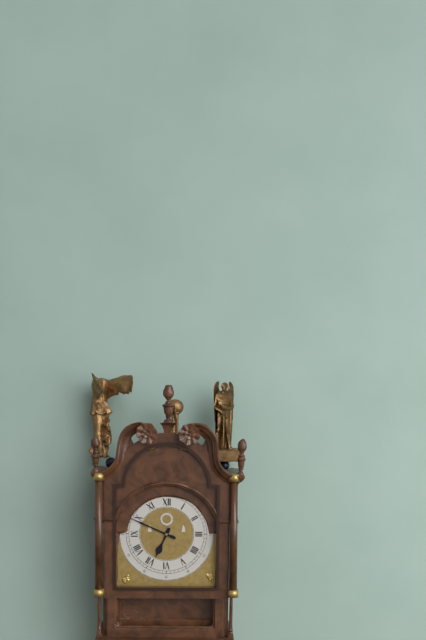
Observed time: **6:49**
